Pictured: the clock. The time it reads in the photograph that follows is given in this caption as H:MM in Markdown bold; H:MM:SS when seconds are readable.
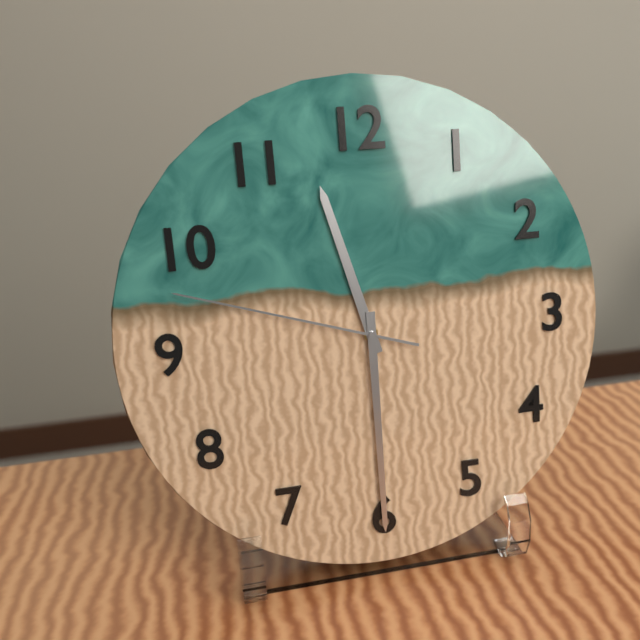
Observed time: **11:30:48**
